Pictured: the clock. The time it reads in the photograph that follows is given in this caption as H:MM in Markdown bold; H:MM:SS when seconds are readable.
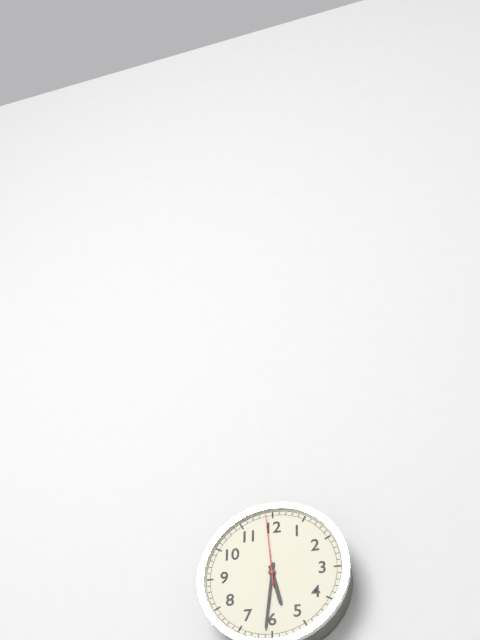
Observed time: **5:31:59**
